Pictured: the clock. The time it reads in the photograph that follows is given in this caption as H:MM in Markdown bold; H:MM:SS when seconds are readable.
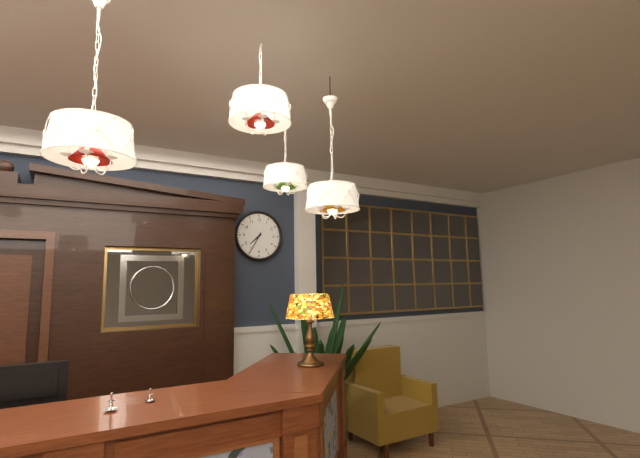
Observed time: **7:35**
